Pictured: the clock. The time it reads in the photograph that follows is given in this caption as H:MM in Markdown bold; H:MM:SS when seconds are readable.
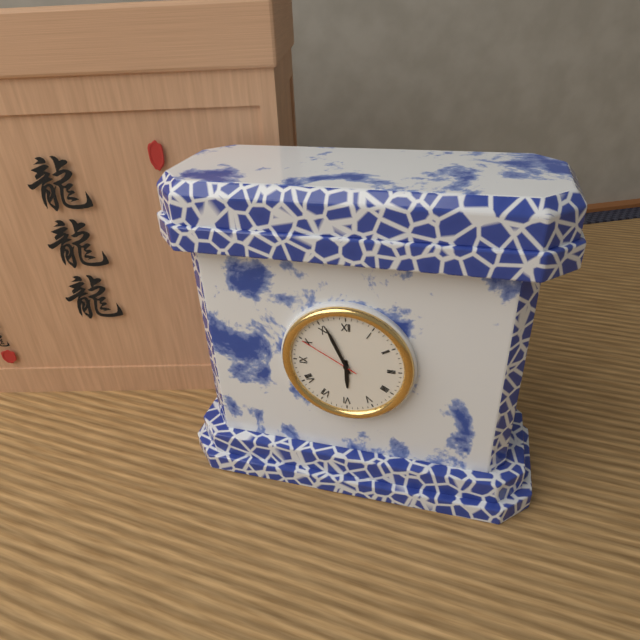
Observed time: **5:56:50**
